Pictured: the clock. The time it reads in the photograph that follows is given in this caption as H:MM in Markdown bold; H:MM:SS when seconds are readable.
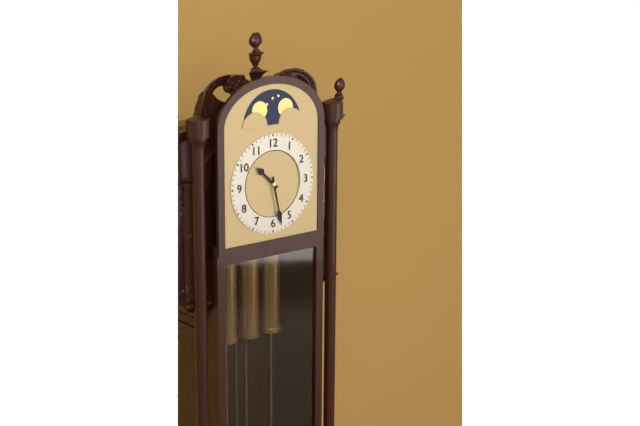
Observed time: **10:28**
